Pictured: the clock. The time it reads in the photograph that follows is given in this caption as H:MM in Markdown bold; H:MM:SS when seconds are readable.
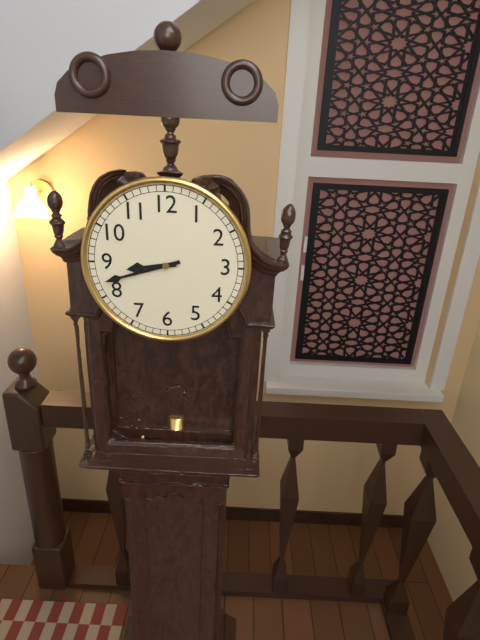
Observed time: **8:42**
